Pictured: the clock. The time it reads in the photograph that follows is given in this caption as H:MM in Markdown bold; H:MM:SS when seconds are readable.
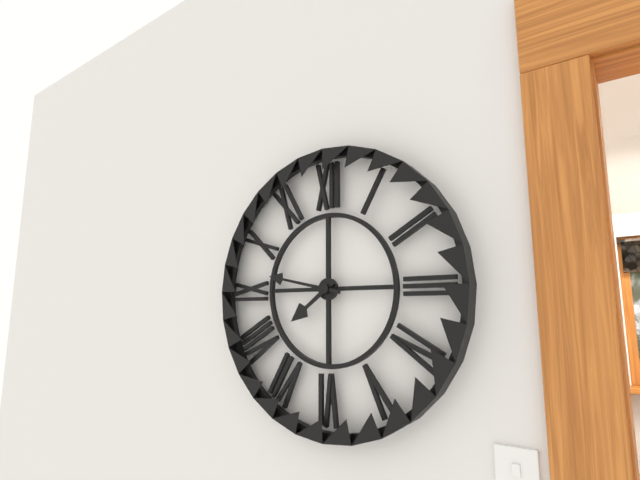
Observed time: **7:47**
